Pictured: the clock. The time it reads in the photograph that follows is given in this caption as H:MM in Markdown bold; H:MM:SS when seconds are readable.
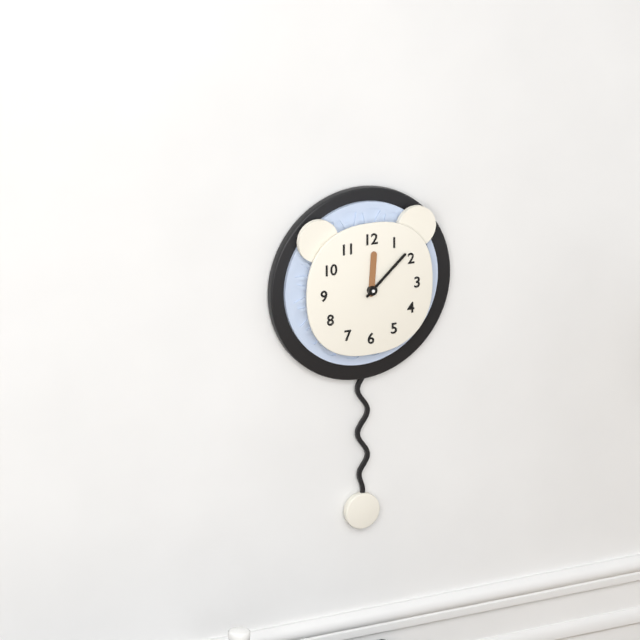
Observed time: **12:08**
